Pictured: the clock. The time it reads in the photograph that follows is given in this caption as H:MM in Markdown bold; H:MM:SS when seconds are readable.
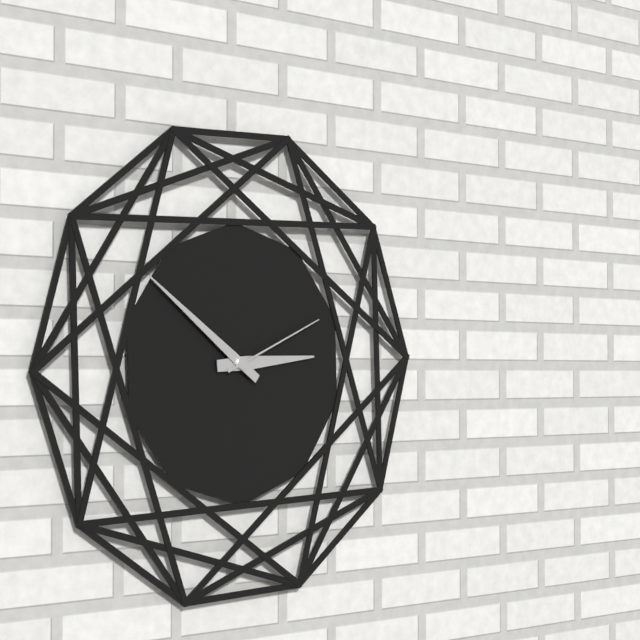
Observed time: **2:51:11**
